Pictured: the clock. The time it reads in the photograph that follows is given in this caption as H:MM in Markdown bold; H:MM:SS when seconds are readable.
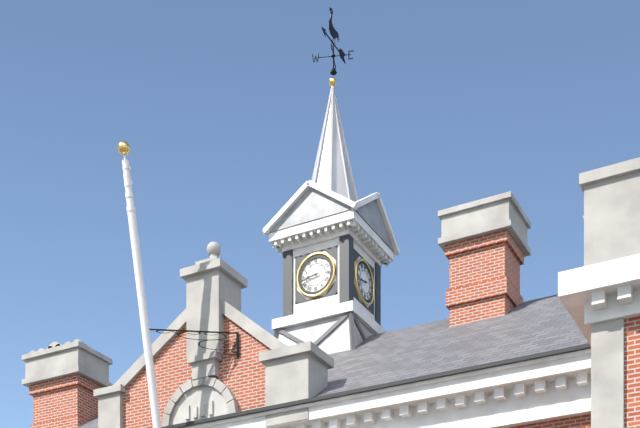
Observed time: **8:43**
